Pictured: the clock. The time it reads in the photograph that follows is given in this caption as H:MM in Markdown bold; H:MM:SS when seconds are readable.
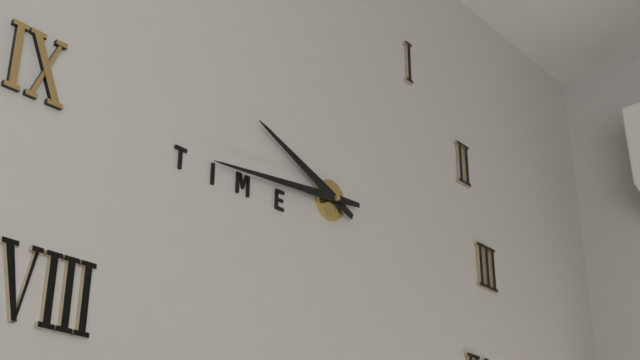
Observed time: **9:44**
